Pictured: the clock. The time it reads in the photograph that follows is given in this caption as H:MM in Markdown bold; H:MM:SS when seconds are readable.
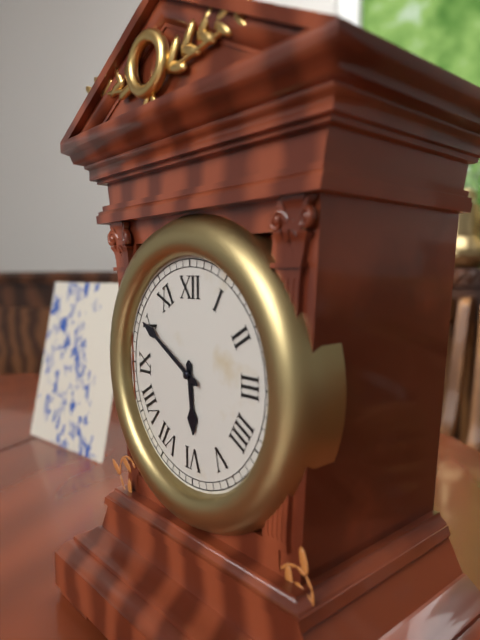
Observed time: **5:50**
